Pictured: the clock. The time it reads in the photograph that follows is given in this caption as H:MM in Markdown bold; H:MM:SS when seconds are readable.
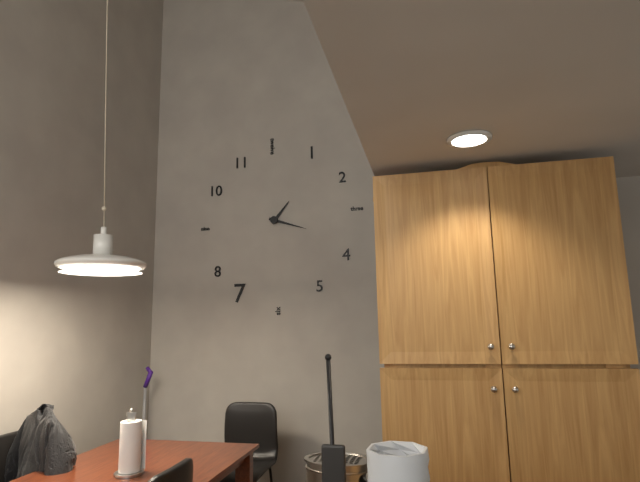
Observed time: **1:18**
